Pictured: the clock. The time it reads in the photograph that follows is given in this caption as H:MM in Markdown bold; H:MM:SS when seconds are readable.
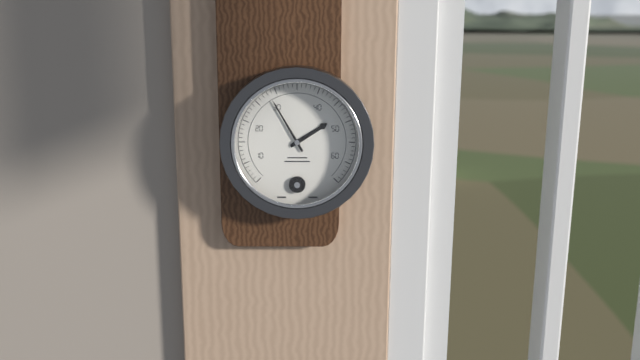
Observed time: **1:55**
